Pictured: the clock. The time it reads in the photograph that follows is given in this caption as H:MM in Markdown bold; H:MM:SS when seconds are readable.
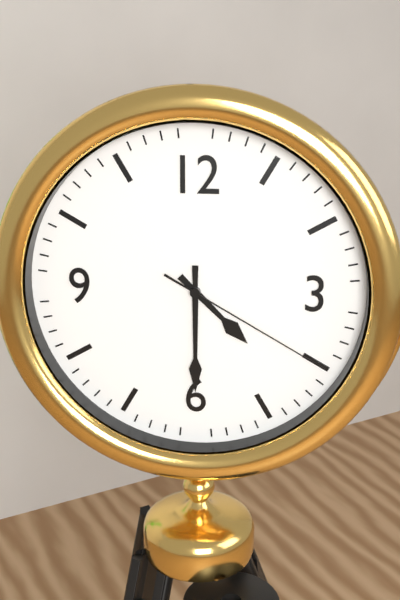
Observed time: **4:30:20**
